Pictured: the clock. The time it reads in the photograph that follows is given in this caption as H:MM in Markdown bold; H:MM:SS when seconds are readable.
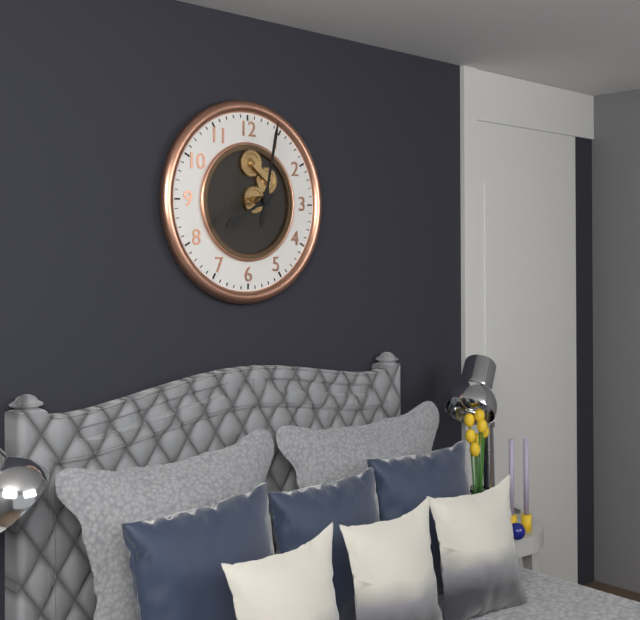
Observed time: **8:02**
